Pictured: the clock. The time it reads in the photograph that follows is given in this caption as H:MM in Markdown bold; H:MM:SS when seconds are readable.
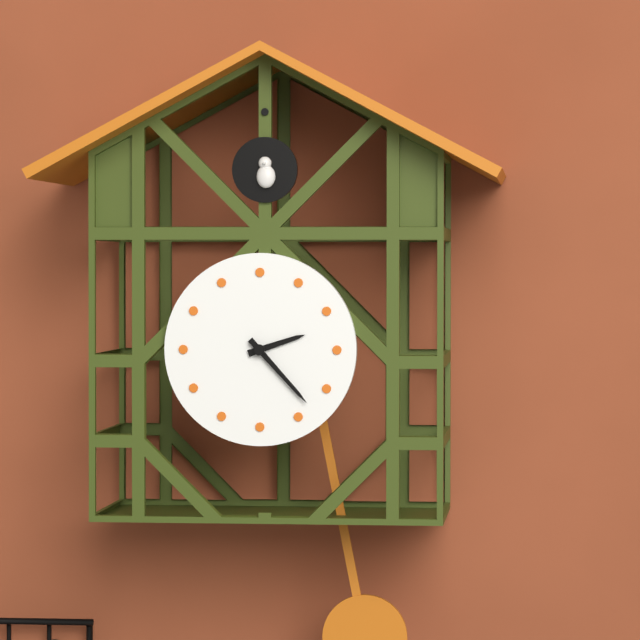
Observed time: **2:23**
